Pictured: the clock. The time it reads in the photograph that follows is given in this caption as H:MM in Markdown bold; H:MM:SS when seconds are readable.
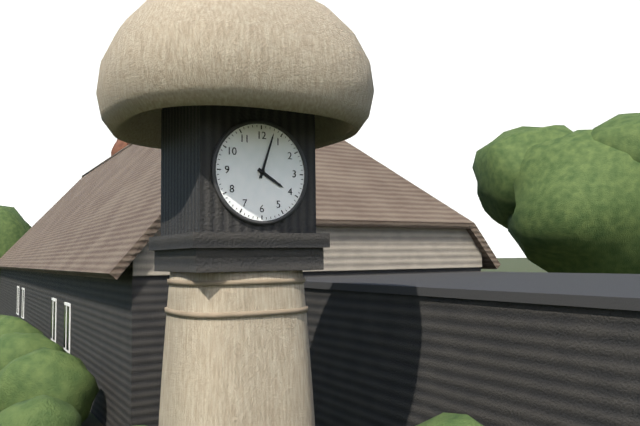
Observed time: **4:03**
